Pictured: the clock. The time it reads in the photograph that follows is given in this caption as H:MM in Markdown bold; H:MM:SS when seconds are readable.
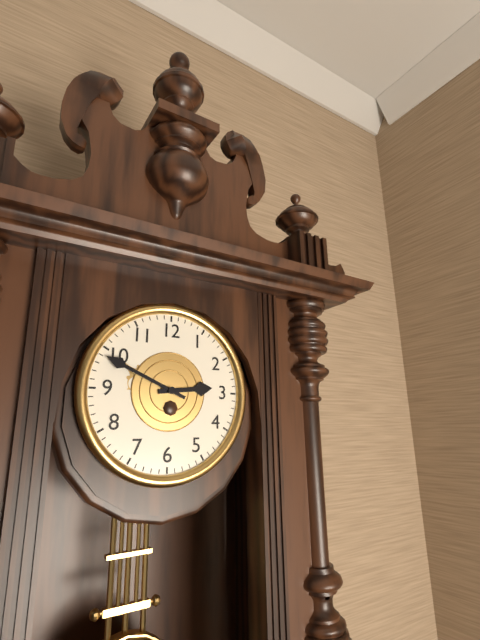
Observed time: **2:49**
